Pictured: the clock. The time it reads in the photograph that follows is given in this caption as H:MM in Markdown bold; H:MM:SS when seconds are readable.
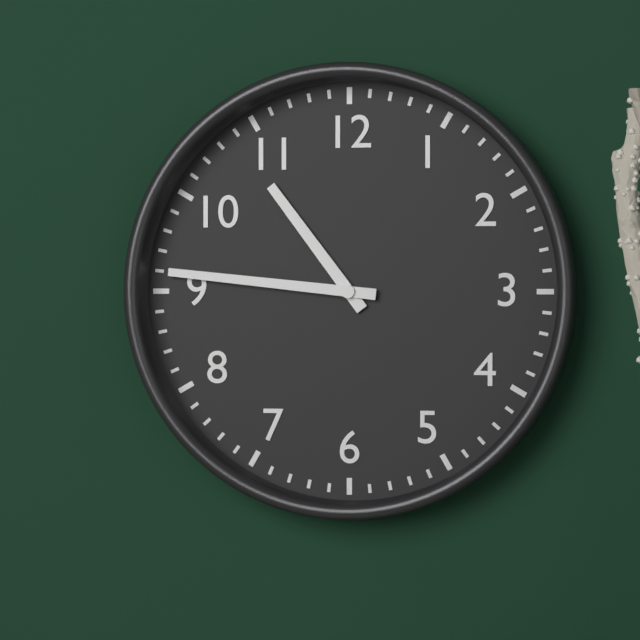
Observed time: **10:46**
